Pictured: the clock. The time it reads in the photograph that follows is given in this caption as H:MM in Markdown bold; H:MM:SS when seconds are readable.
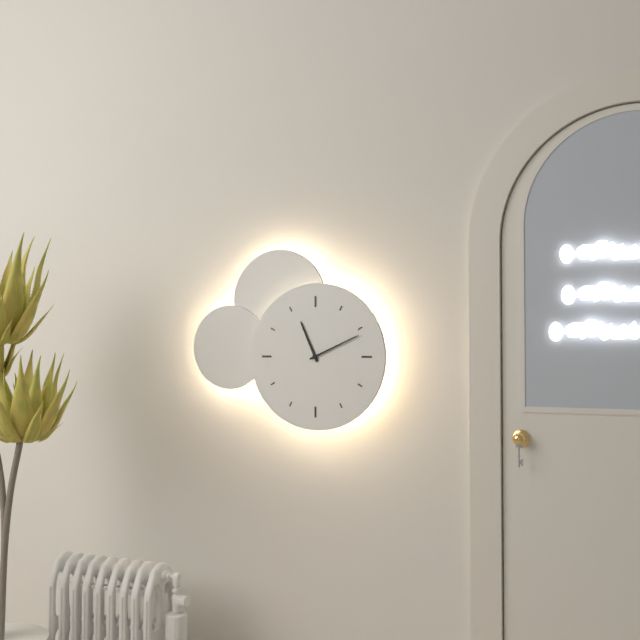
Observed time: **11:11**
